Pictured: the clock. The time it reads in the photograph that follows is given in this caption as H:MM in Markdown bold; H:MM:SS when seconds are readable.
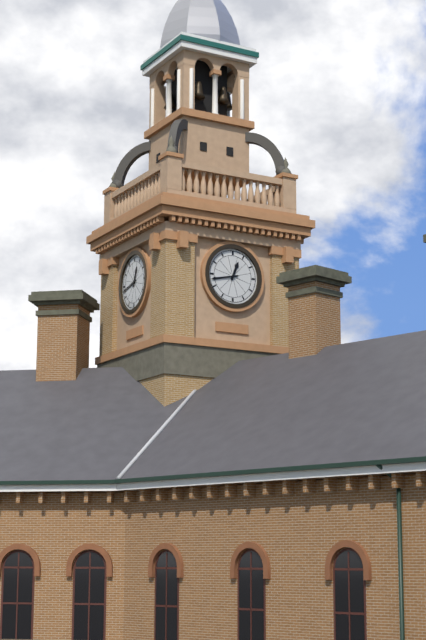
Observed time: **12:43**
